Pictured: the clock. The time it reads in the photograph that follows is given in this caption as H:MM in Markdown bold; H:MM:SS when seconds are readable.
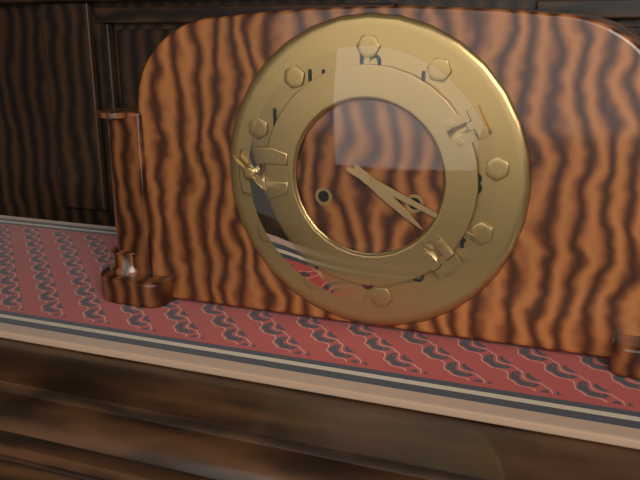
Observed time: **4:19**
